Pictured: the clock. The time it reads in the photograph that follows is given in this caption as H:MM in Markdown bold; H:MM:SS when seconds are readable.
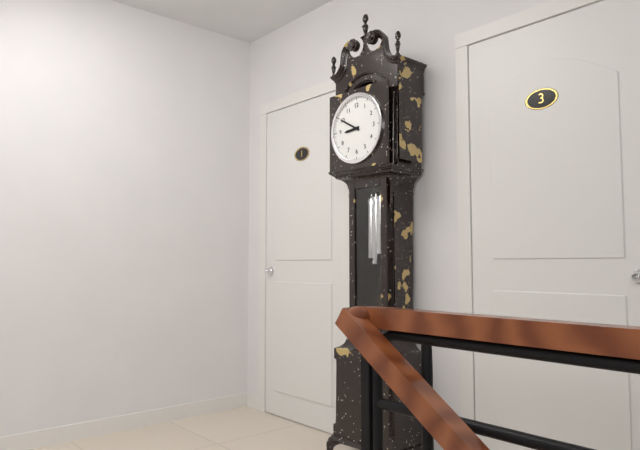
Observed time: **8:50**
